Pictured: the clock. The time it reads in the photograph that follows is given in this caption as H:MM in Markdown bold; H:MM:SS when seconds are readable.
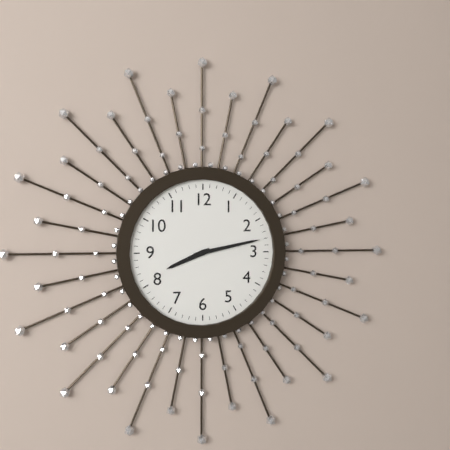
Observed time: **8:13**
